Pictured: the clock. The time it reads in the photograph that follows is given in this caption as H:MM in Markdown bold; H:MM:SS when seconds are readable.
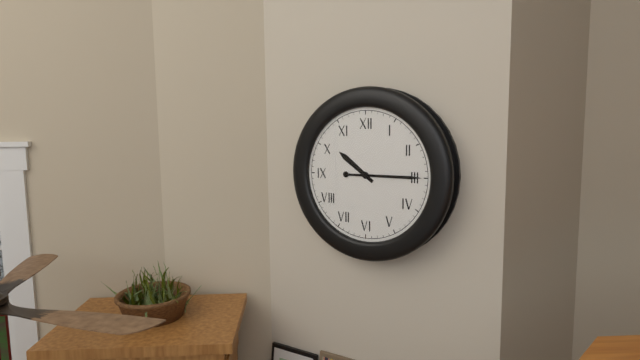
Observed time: **10:15**
